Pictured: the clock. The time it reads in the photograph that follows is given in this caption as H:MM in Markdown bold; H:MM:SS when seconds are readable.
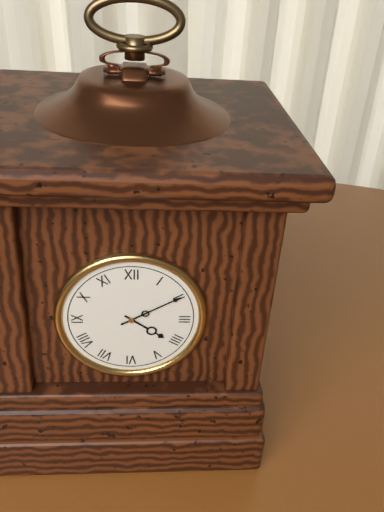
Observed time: **4:10**
